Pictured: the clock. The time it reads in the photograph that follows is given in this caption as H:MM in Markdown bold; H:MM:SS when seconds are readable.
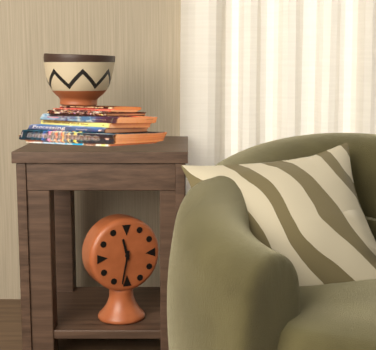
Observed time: **11:32**
